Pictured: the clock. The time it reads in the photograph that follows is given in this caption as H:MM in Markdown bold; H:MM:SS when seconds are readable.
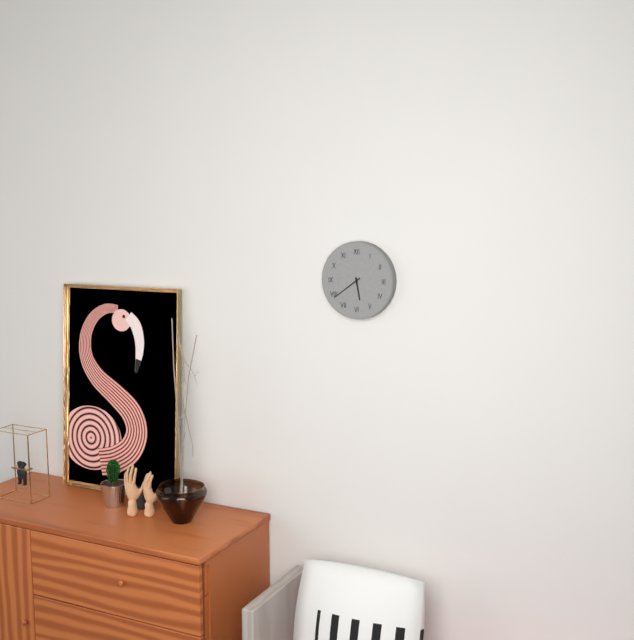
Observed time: **5:39**
